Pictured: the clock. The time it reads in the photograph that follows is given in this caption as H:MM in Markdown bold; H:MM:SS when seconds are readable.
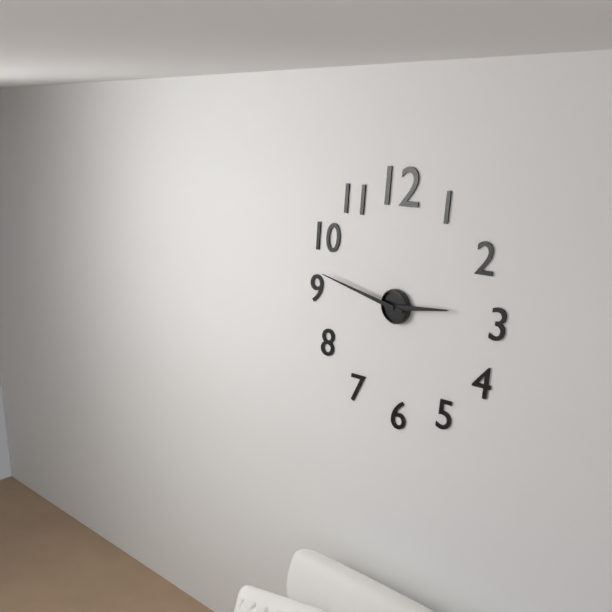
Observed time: **2:47**
